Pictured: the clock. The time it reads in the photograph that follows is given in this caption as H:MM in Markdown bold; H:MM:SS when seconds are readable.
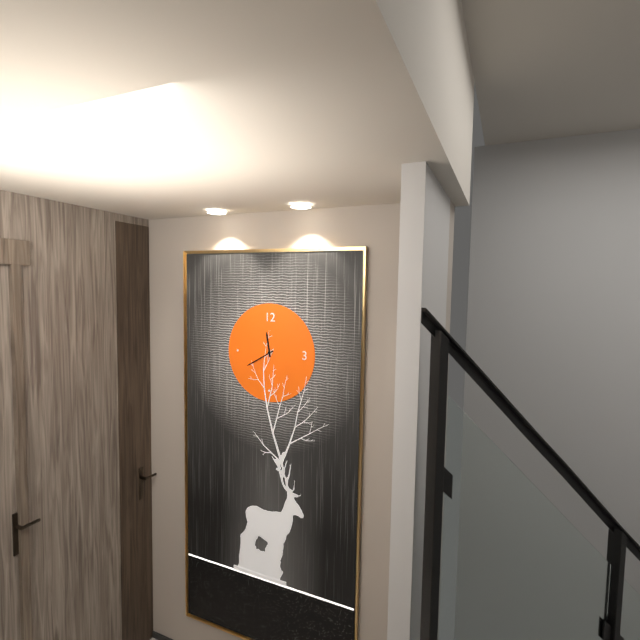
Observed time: **11:40**
